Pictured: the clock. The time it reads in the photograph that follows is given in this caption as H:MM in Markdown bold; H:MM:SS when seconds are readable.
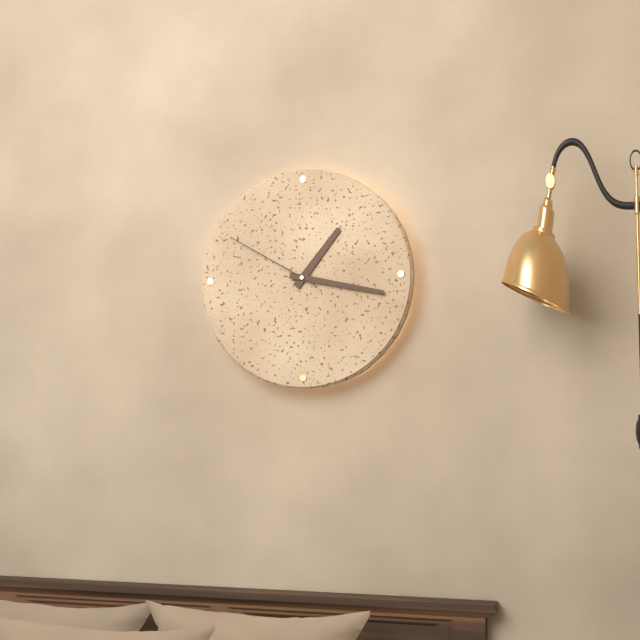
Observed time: **1:17:50**
